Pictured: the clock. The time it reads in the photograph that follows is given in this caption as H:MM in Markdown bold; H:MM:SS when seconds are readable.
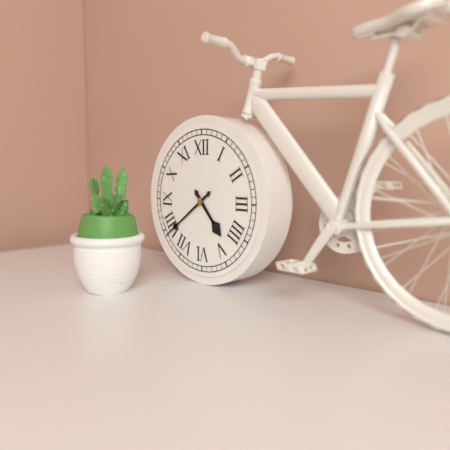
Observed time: **4:39**
